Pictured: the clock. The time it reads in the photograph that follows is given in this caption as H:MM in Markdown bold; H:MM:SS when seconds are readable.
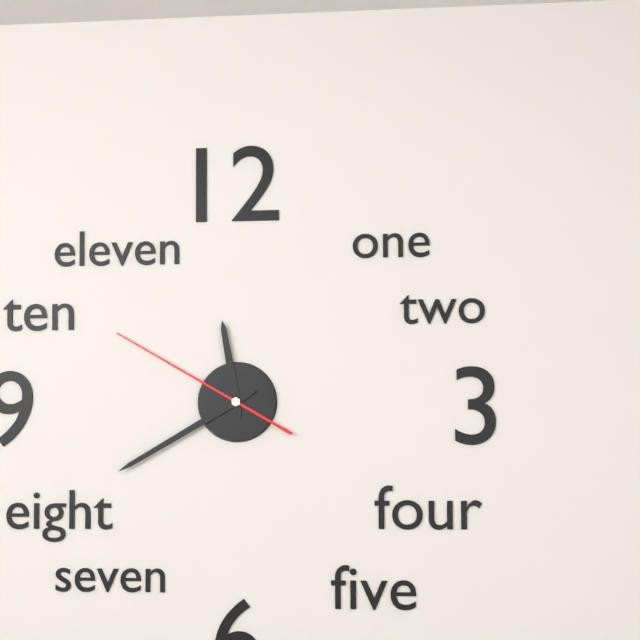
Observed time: **11:40:50**
